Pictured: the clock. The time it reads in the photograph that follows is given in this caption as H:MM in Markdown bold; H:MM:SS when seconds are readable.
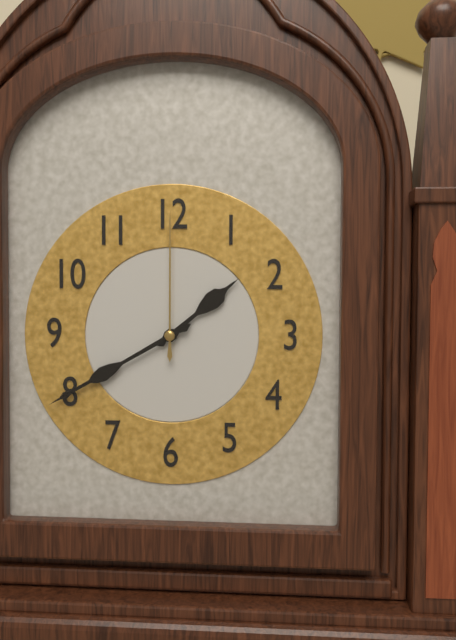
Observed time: **1:40:00**
